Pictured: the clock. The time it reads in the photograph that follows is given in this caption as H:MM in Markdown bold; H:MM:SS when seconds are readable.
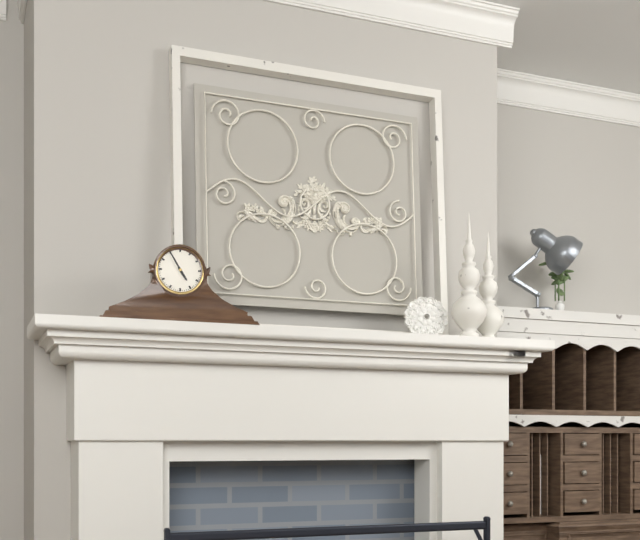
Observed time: **4:55**
